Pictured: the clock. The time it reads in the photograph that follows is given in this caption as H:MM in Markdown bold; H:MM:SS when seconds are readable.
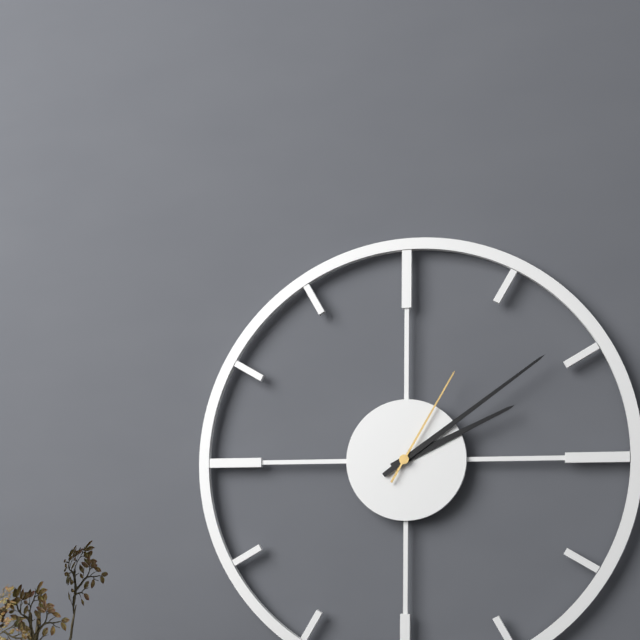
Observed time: **2:09:05**
